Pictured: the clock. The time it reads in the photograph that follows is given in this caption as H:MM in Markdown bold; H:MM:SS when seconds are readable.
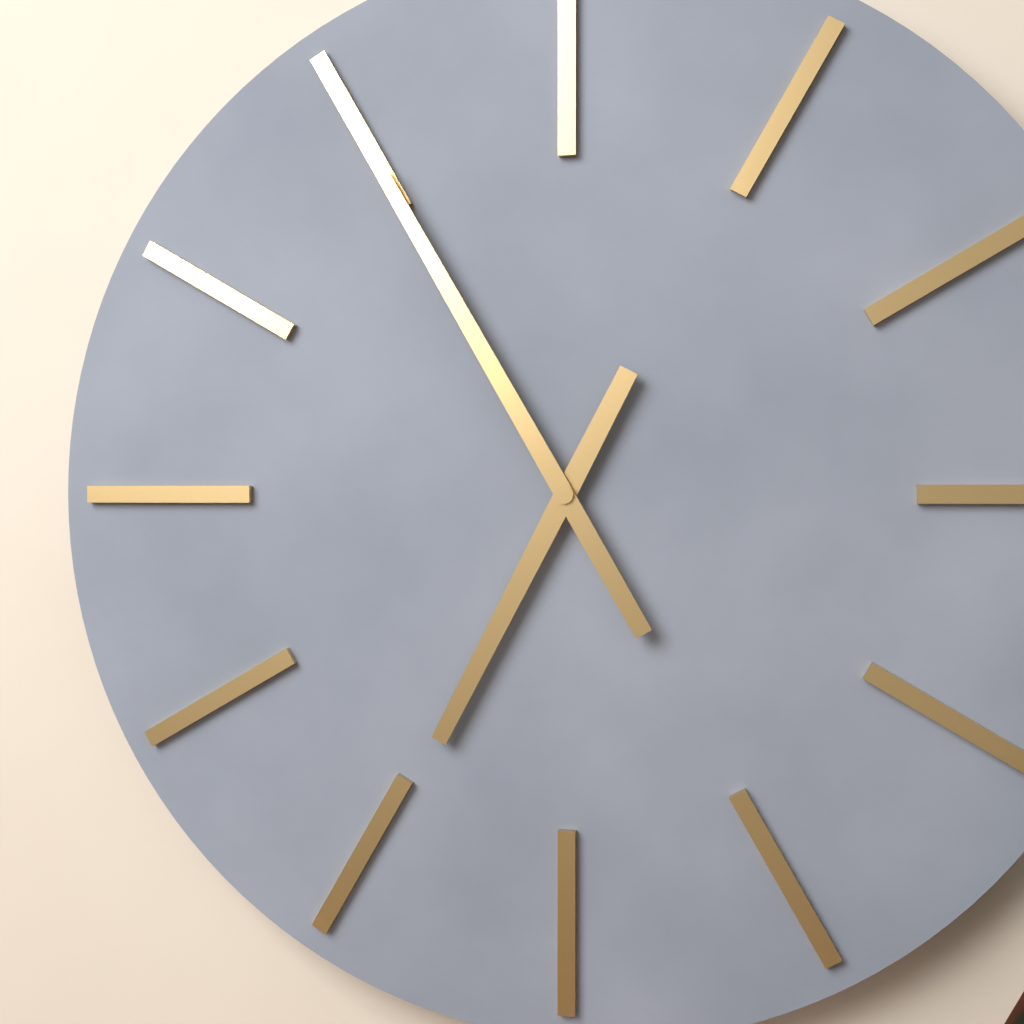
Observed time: **6:55**
